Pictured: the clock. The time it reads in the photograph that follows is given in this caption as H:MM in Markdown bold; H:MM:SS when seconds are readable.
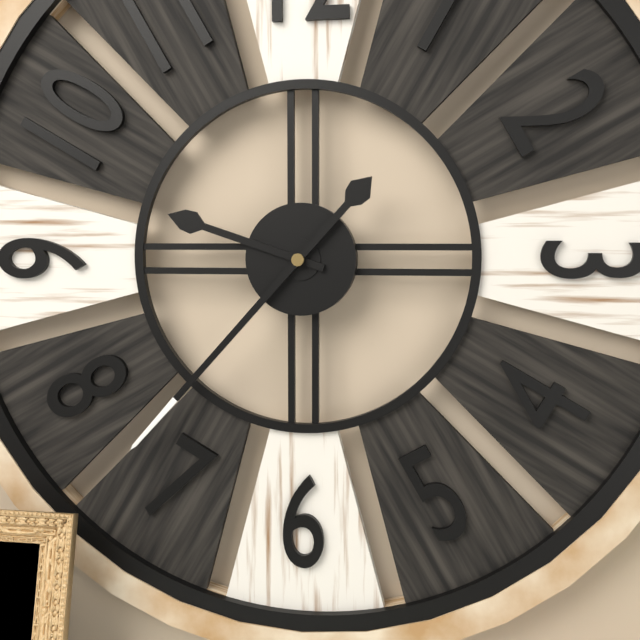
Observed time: **9:37**
